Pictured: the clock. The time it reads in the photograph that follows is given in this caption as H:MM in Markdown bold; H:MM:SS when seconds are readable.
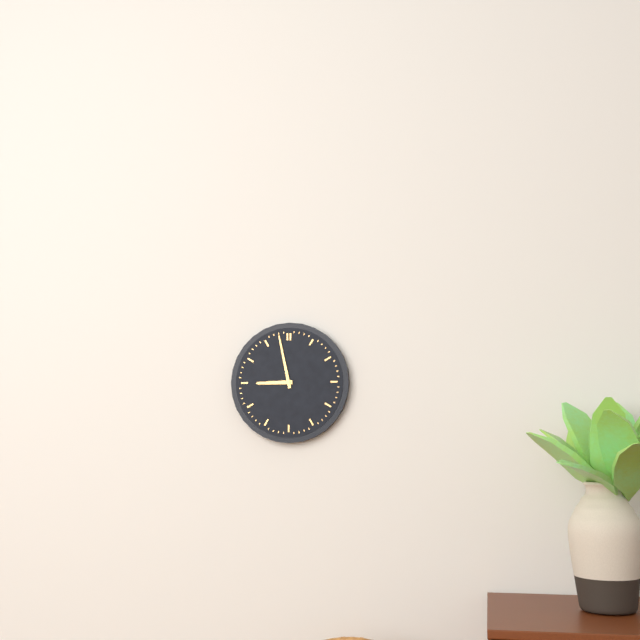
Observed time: **8:58**
